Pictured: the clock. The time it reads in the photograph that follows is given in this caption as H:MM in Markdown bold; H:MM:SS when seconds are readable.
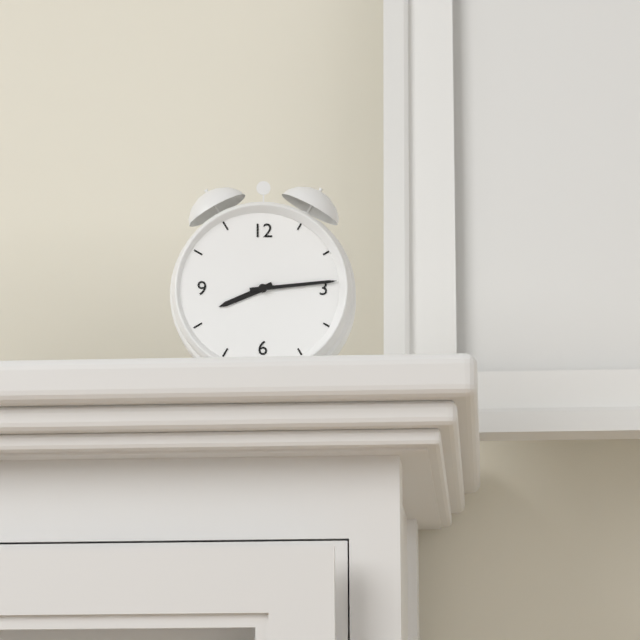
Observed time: **8:14**
